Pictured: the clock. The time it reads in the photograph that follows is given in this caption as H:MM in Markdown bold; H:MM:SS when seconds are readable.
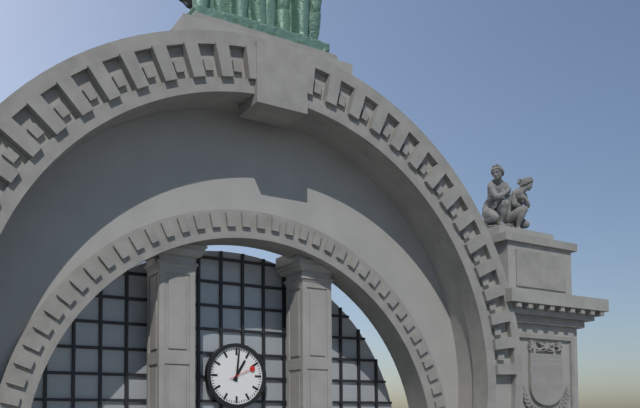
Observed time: **1:01**
